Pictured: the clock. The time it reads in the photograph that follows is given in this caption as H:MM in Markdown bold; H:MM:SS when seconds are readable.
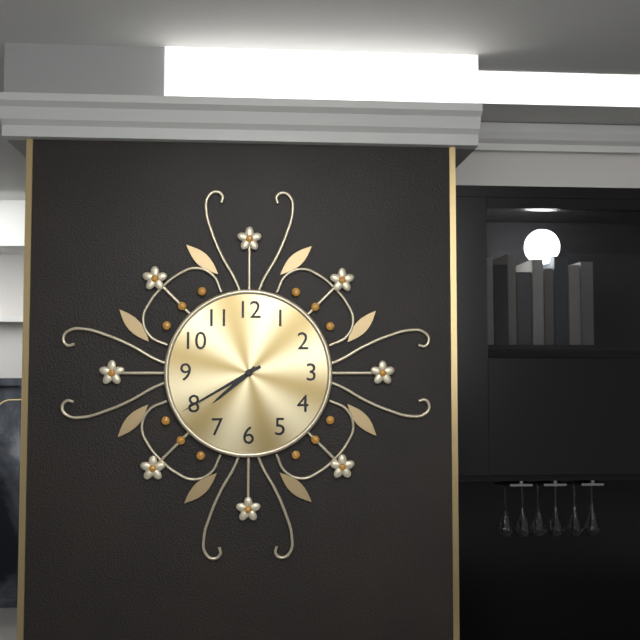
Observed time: **7:40**
